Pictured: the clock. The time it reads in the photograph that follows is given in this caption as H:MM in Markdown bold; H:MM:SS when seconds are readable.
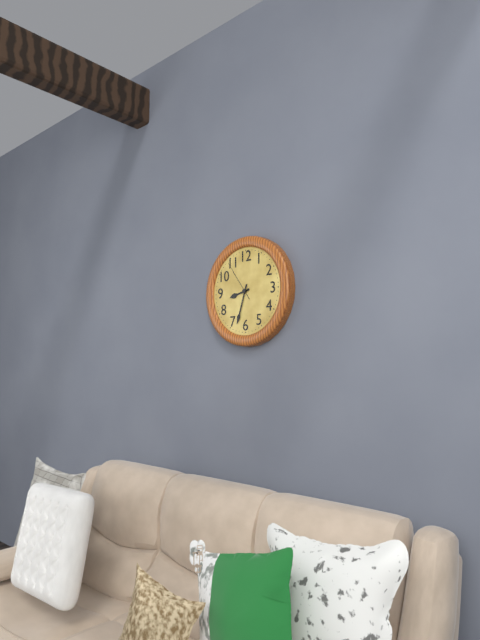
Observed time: **8:33**
